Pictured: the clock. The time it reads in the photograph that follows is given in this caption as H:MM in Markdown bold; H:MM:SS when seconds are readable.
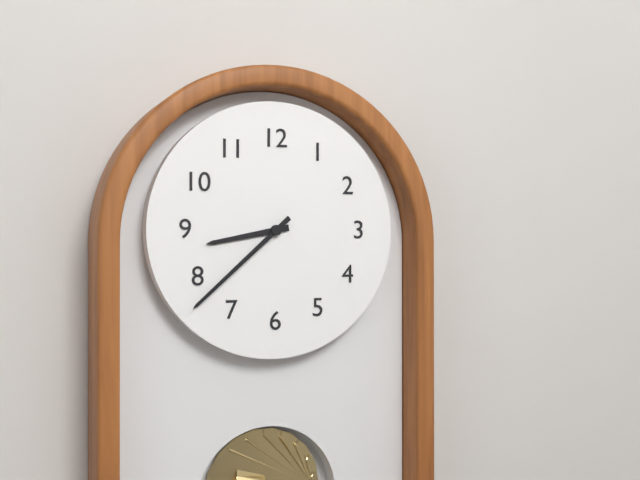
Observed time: **8:38**
